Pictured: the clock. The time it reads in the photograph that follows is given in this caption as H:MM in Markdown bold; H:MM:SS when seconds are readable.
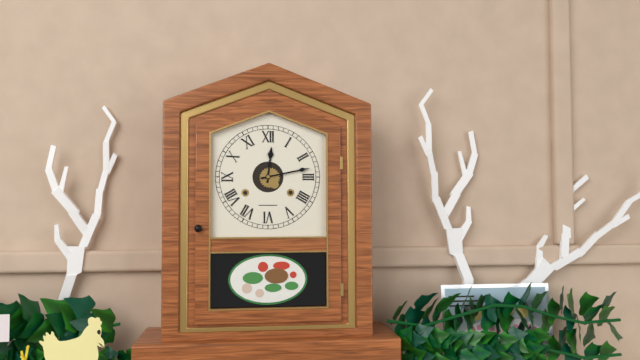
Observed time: **12:13**
